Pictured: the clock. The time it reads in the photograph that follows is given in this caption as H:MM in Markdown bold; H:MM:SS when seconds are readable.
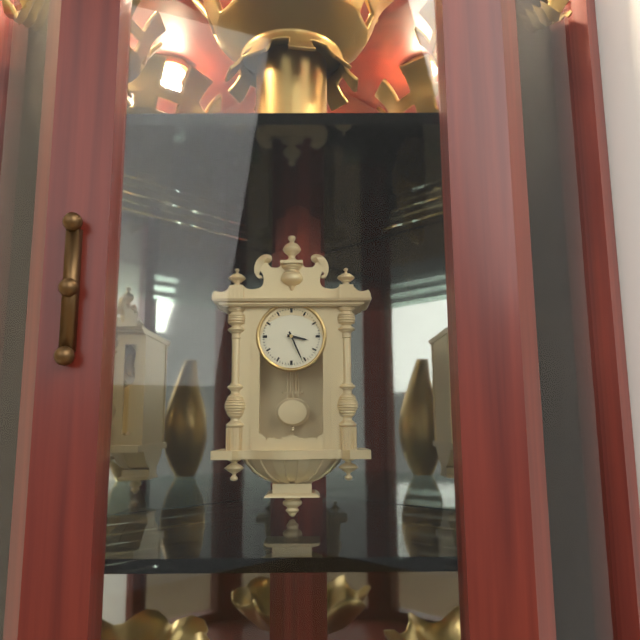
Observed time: **3:26**
